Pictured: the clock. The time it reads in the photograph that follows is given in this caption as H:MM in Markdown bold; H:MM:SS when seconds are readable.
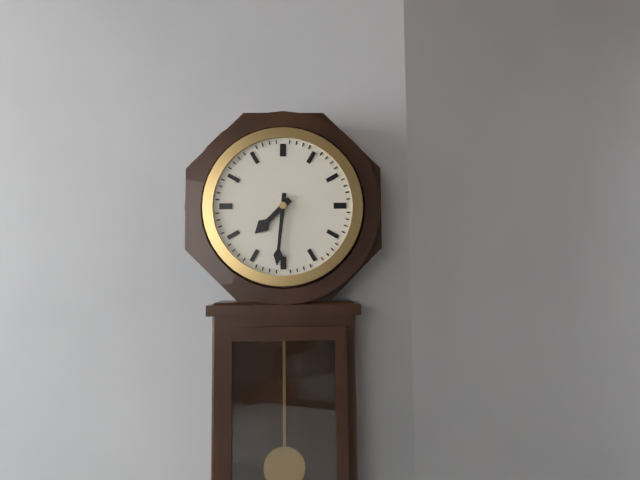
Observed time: **7:31**
